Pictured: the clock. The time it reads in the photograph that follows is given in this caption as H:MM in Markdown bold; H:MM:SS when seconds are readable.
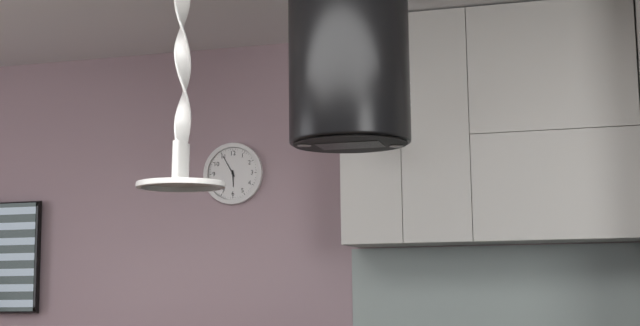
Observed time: **5:55**
